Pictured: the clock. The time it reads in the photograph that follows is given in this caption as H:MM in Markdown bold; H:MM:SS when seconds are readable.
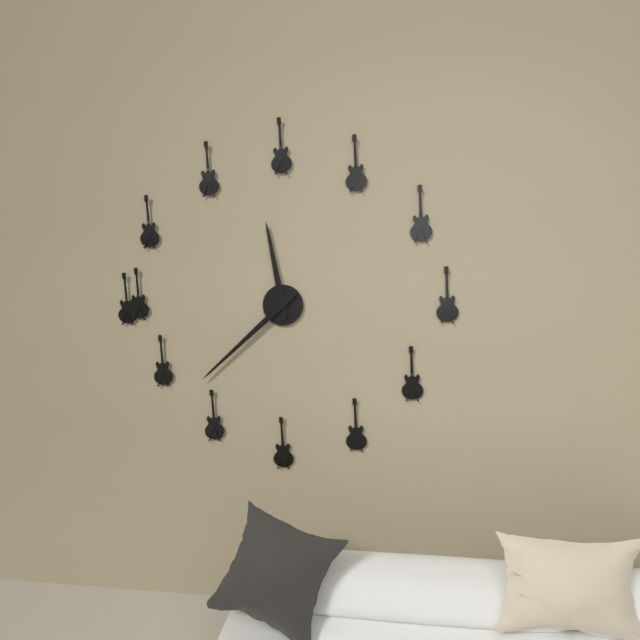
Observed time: **11:38**
